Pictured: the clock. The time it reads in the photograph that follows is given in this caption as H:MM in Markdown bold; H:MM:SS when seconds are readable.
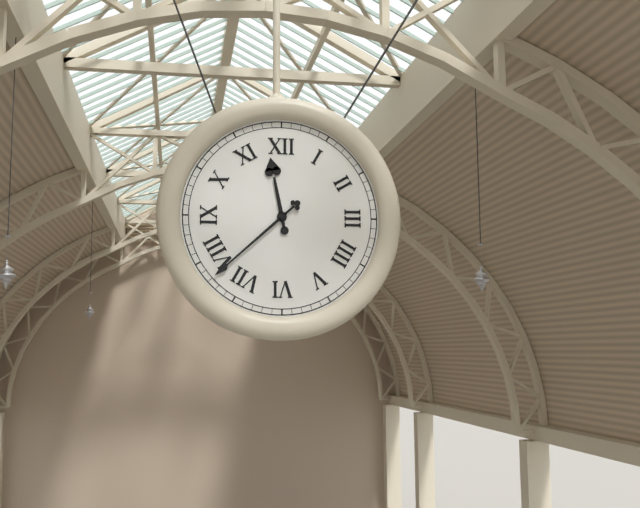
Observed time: **11:38**
